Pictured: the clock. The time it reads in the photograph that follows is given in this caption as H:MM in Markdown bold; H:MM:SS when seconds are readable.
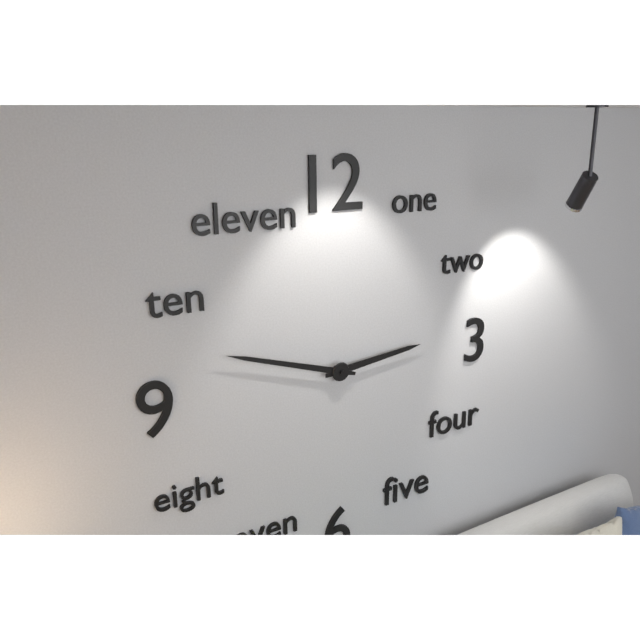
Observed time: **2:48**
